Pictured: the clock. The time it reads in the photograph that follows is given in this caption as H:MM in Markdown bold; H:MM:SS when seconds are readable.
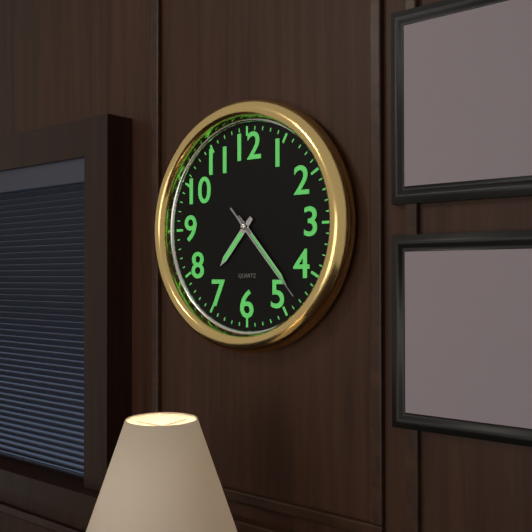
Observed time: **7:23:23**
